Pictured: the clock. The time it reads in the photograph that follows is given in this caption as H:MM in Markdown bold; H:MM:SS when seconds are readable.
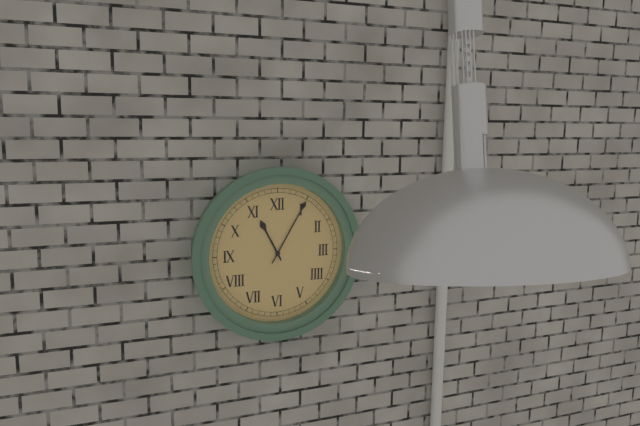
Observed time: **11:05**
